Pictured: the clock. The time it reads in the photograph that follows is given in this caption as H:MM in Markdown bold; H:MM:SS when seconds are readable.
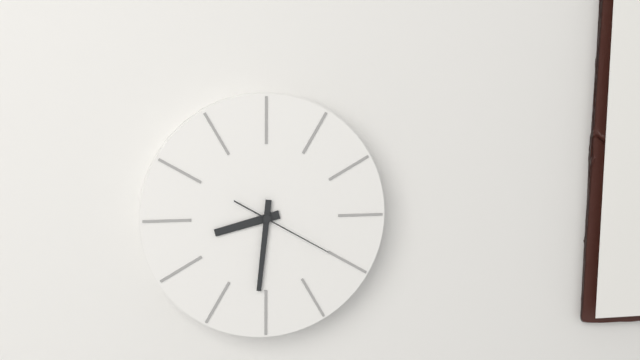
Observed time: **8:31:20**
